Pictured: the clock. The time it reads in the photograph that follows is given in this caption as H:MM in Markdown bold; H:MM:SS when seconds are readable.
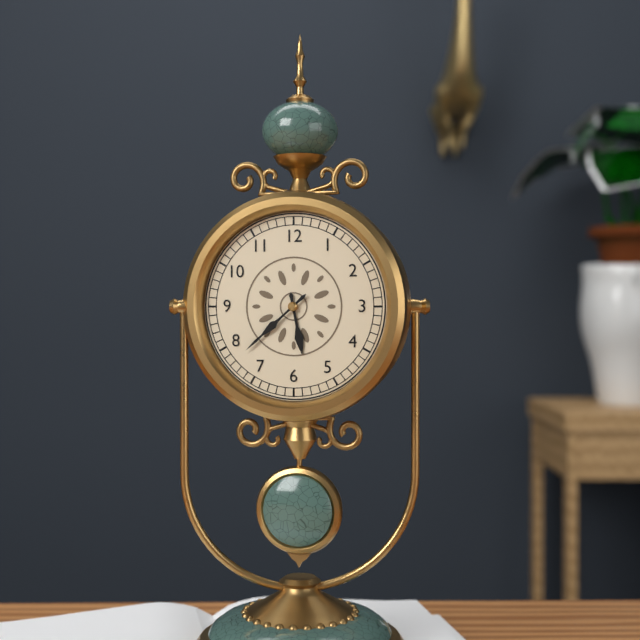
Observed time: **5:38**
